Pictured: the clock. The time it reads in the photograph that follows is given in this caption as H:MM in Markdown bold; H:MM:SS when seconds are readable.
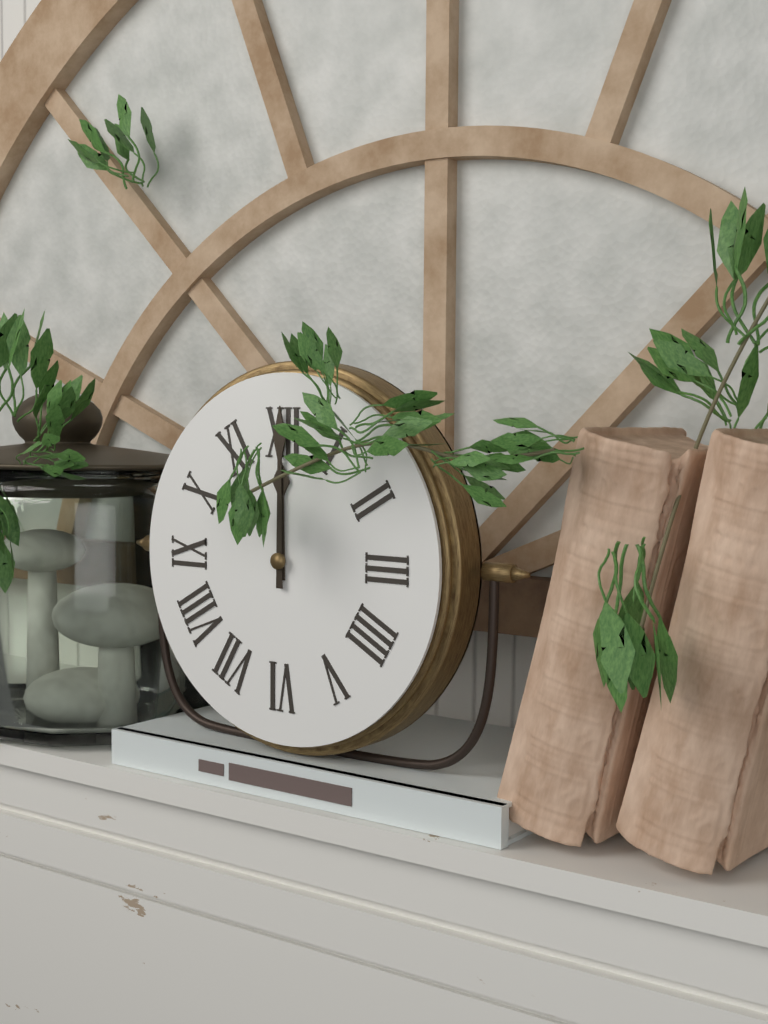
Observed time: **12:00**
